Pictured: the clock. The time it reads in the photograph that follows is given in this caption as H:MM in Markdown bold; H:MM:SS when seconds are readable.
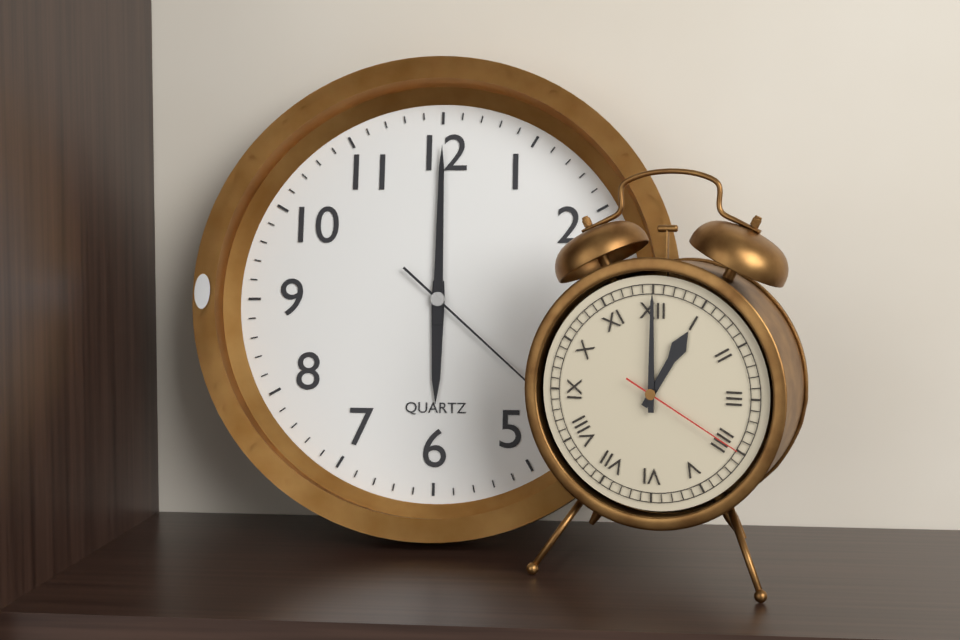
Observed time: **6:00:22**
